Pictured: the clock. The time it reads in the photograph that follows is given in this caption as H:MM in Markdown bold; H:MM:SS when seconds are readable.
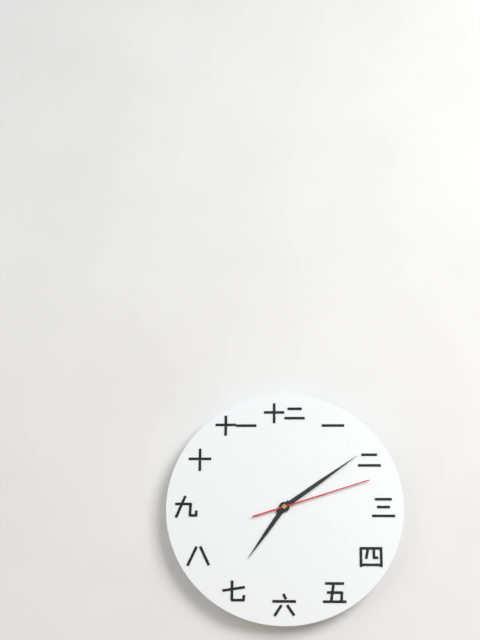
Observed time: **7:09:12**
